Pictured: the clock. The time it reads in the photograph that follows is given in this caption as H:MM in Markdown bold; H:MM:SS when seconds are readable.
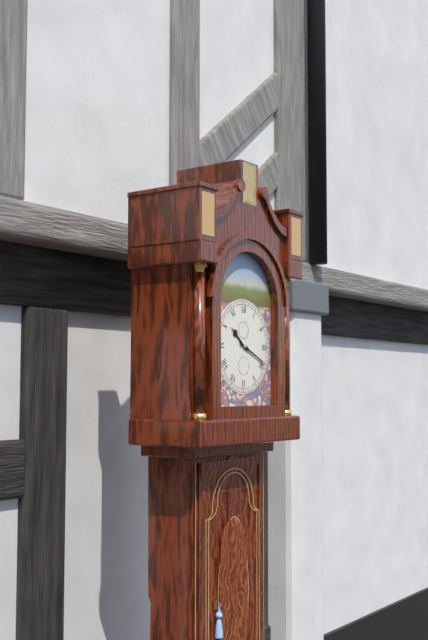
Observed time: **10:19**
